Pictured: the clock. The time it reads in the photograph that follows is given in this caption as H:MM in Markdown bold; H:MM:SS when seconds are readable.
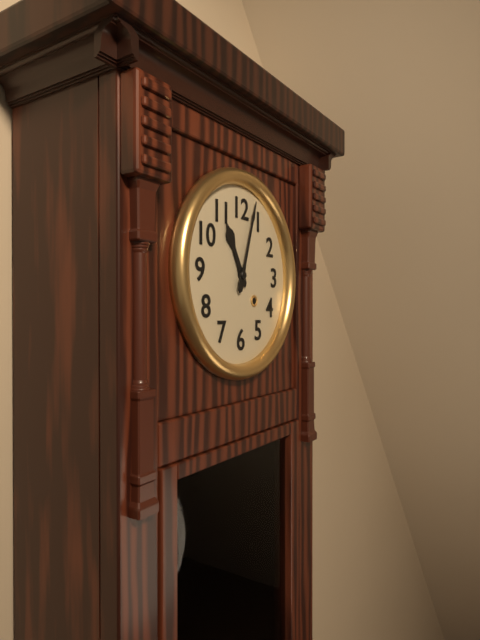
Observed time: **11:03**
